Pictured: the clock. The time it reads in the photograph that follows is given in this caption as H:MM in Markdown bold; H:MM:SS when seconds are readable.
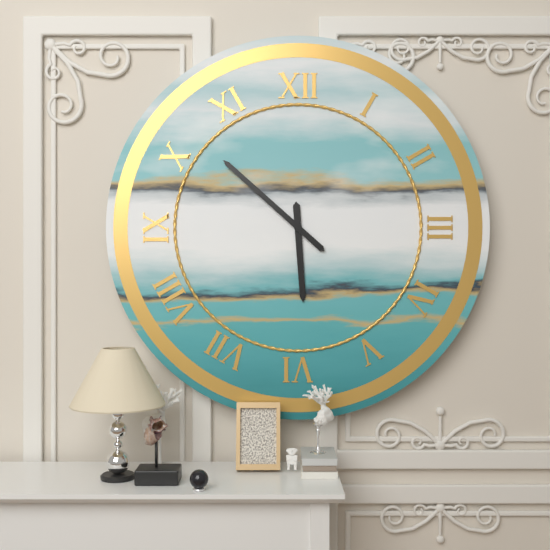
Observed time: **5:52**
